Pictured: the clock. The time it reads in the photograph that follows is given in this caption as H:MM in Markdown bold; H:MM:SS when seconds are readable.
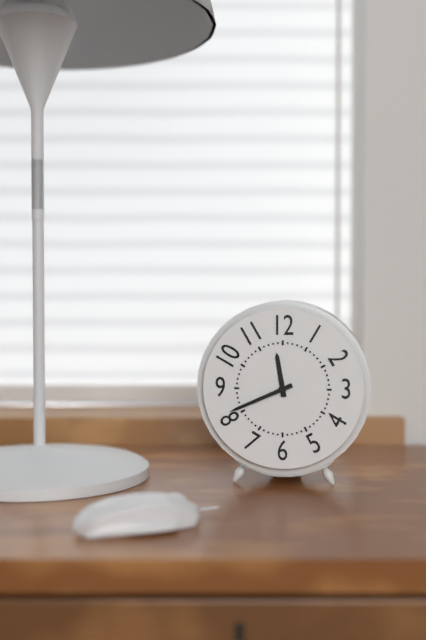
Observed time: **11:41**
